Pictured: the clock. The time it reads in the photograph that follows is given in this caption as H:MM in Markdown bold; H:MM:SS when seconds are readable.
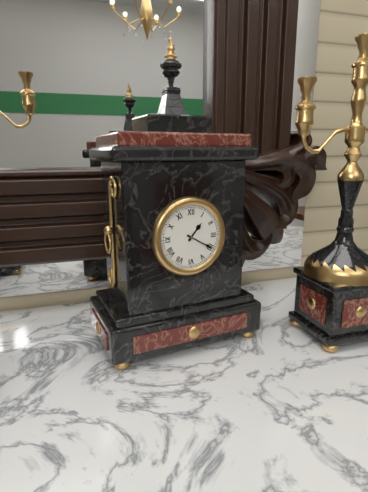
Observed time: **1:20**
